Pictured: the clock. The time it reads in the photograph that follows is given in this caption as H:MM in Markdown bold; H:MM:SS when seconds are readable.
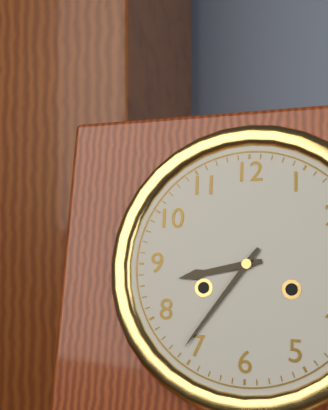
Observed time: **8:36**
